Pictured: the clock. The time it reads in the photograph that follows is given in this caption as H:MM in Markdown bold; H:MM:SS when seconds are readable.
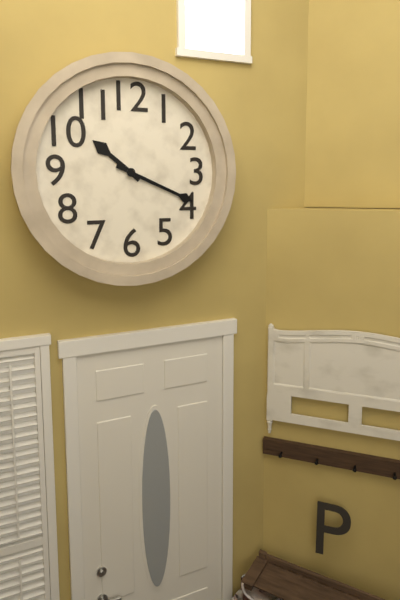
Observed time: **10:19**
